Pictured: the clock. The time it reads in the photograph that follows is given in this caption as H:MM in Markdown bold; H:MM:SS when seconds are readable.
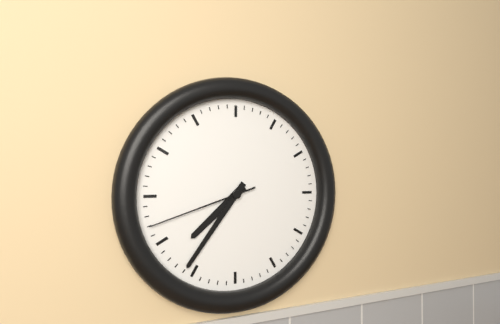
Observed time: **7:36:42**
